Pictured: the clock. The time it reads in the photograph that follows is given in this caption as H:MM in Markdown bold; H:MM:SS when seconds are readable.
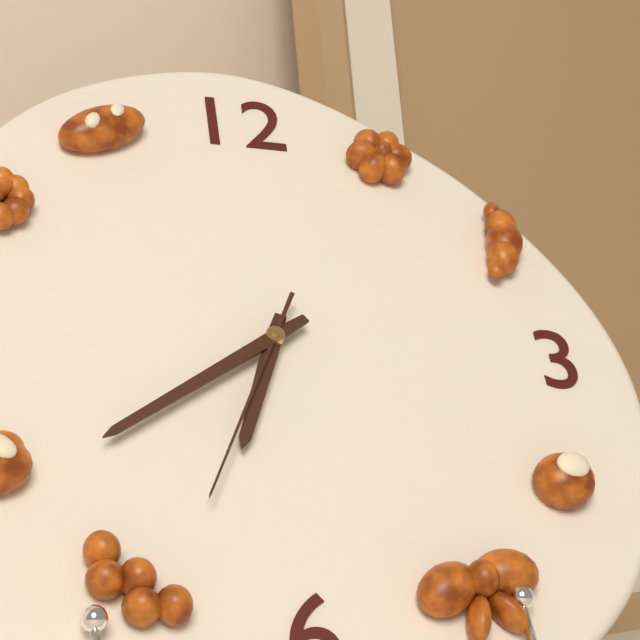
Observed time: **6:39:34**
